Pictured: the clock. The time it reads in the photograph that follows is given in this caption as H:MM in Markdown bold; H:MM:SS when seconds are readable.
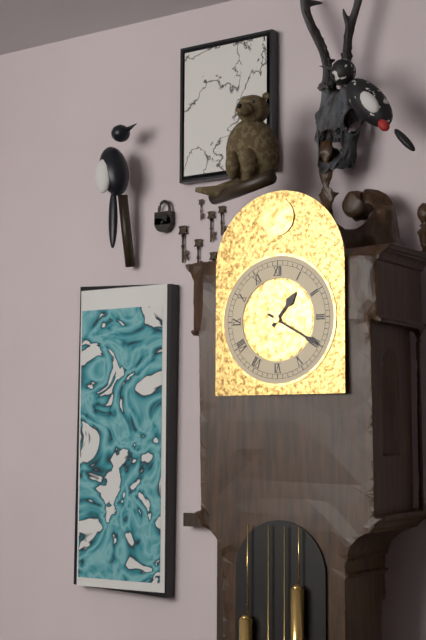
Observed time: **1:20**
